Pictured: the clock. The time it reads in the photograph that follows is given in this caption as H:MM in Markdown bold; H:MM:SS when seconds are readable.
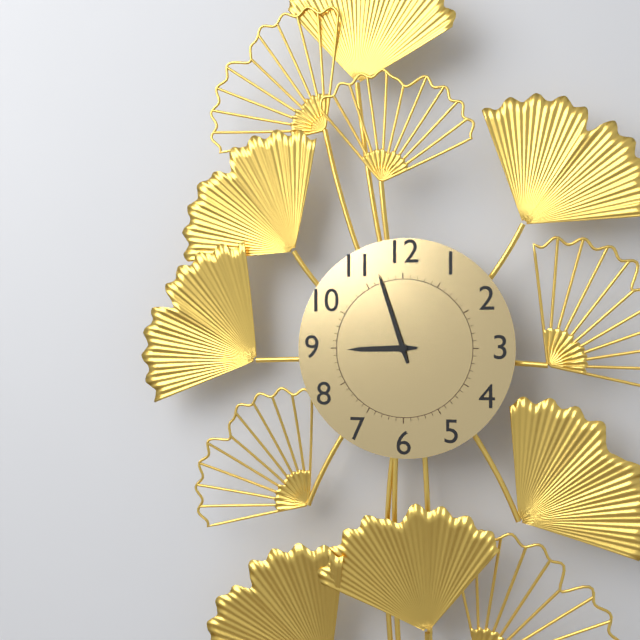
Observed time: **8:57**
